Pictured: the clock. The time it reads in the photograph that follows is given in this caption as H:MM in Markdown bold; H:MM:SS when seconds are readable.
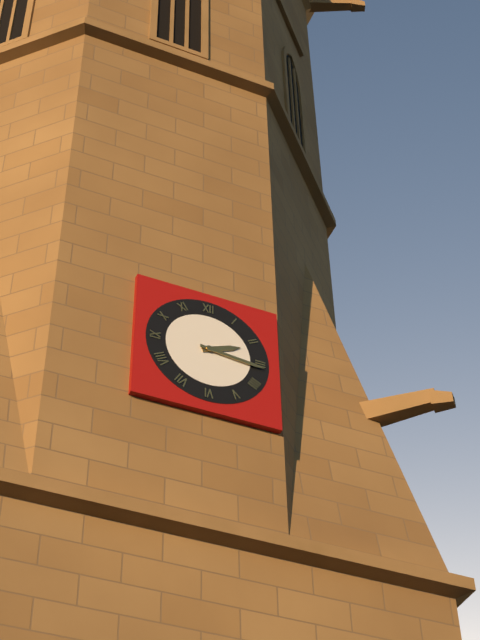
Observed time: **2:16**
